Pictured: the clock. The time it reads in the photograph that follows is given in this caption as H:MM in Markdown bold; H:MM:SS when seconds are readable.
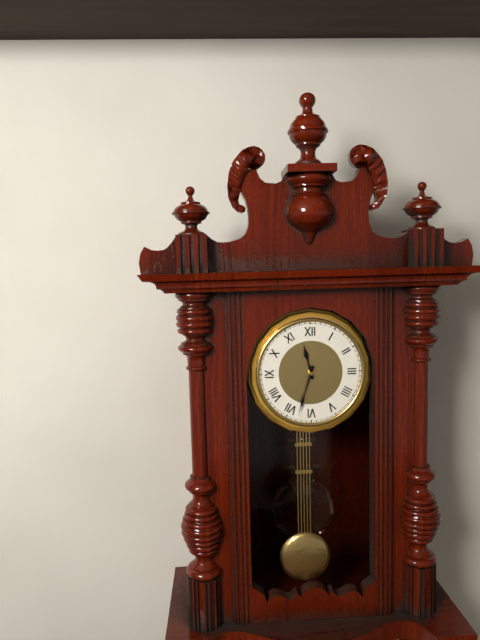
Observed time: **11:33**
